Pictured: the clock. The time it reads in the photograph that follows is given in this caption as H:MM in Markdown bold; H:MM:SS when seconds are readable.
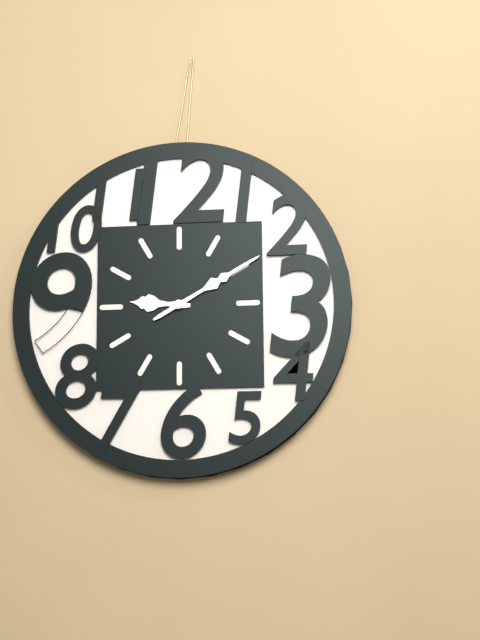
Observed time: **9:10**
